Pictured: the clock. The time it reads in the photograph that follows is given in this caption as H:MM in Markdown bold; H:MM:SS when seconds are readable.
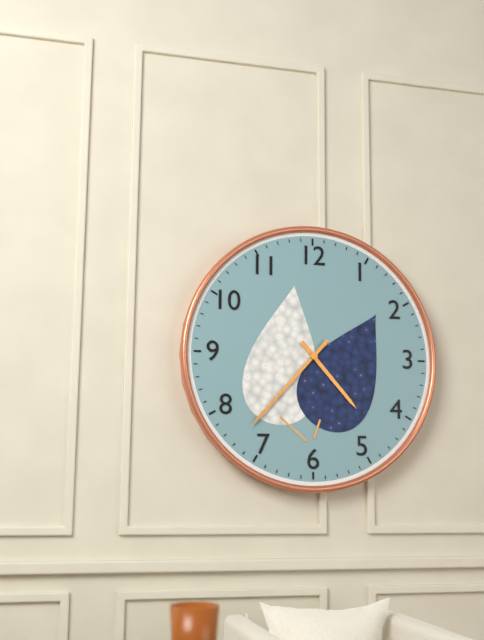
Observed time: **4:37**
